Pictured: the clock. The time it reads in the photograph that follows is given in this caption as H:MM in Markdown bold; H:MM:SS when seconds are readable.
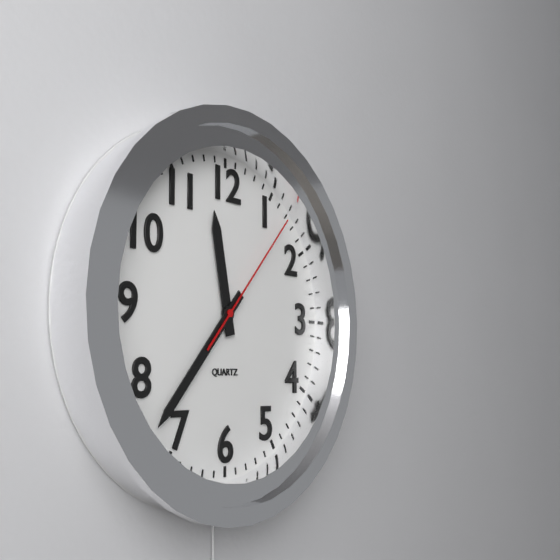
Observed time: **11:37:07**
